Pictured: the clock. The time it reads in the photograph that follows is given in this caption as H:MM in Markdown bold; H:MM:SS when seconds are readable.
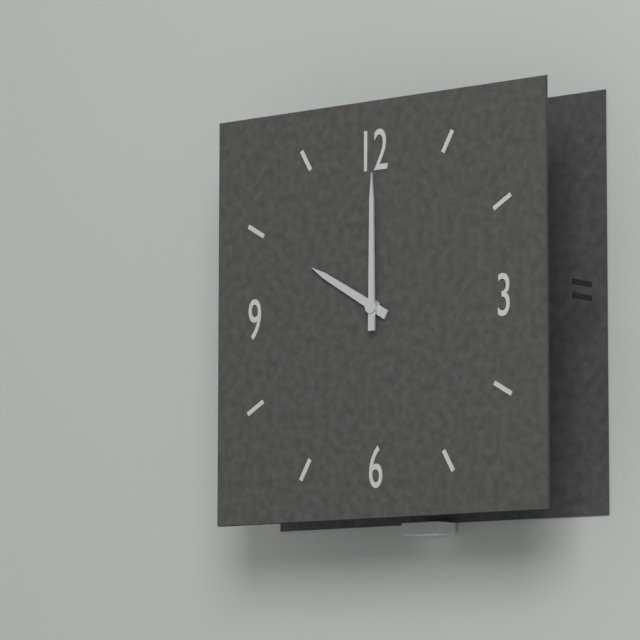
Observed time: **10:00**
